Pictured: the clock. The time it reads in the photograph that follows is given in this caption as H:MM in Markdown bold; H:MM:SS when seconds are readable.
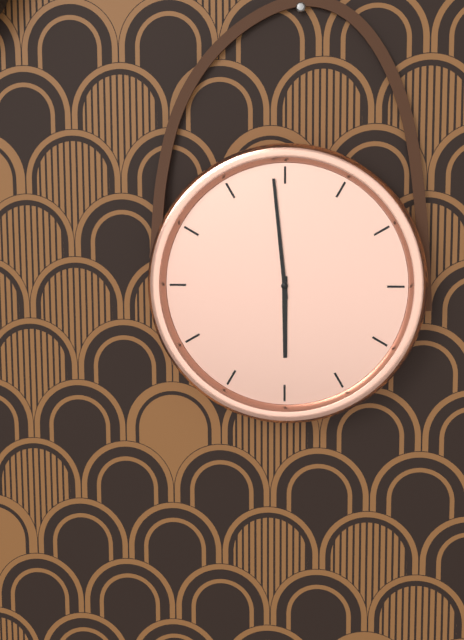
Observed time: **5:59**
